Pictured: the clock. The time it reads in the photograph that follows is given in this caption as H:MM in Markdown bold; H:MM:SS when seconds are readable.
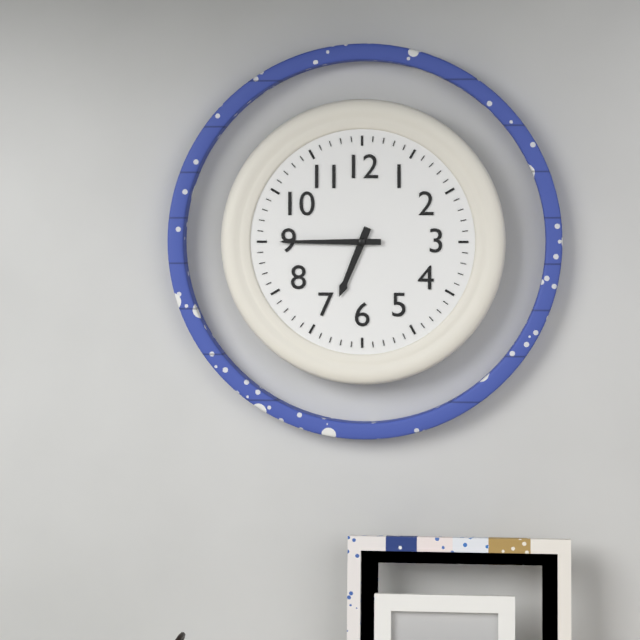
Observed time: **6:45**
